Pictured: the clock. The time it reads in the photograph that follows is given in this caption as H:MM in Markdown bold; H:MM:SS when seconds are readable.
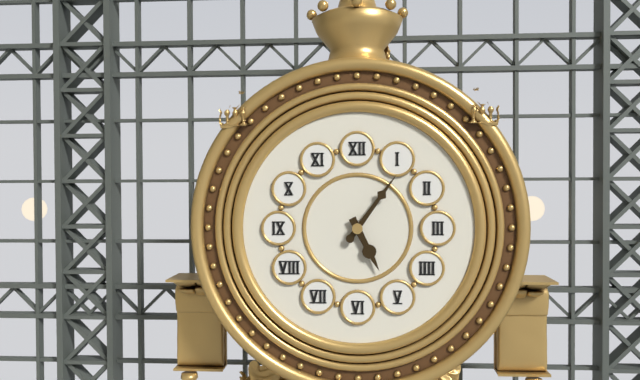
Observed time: **5:06**
